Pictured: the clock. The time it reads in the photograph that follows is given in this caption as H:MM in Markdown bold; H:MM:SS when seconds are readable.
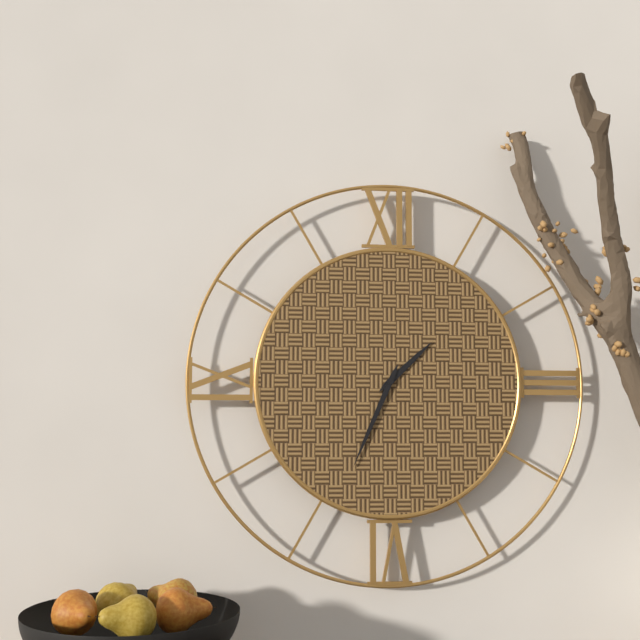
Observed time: **1:34**
